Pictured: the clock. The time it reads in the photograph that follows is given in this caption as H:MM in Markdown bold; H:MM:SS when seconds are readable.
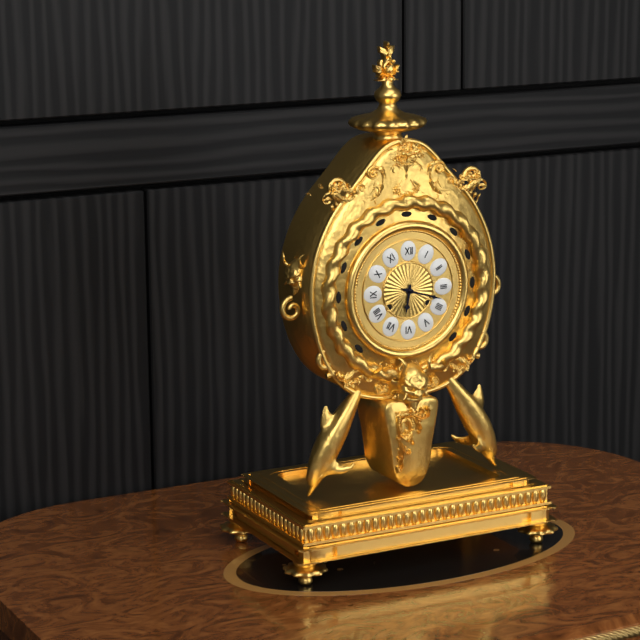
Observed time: **6:18**
